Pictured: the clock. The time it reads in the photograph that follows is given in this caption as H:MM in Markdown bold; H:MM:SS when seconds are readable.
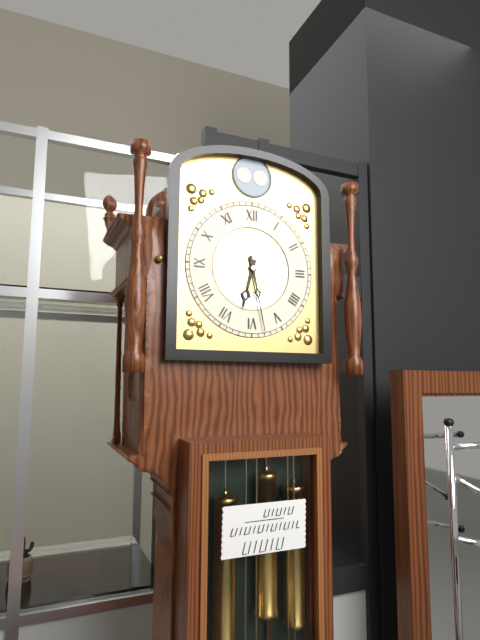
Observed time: **6:28**
